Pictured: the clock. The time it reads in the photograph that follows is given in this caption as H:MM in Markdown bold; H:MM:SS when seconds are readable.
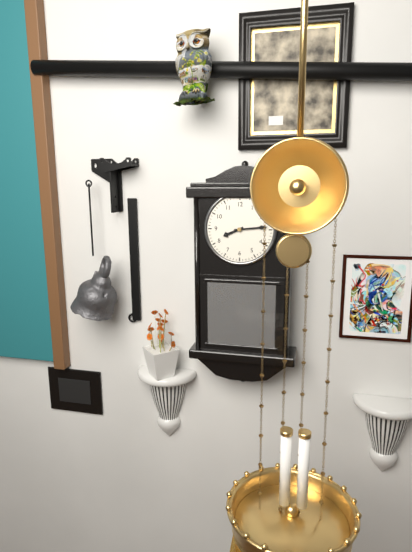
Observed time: **8:14**
